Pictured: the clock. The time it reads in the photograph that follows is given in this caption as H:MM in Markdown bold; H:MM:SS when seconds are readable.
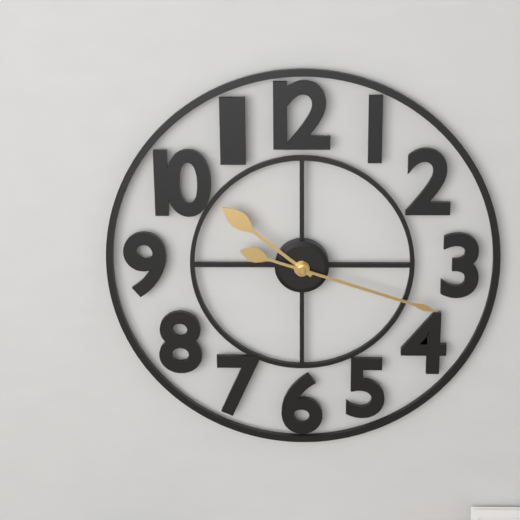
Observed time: **10:18**
